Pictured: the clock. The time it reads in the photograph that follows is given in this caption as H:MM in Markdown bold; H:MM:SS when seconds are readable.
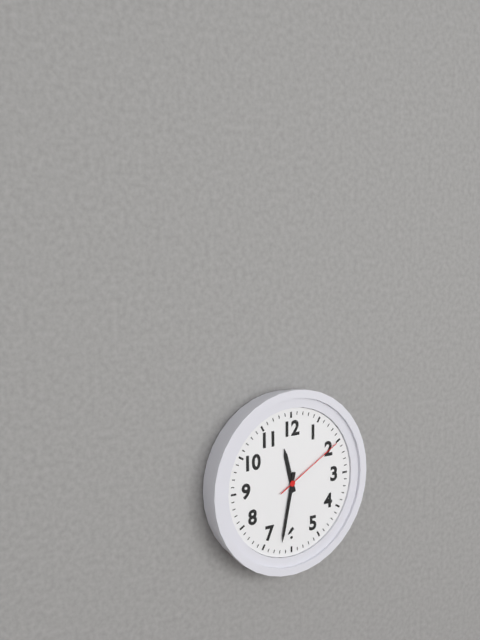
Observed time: **11:32:10**
